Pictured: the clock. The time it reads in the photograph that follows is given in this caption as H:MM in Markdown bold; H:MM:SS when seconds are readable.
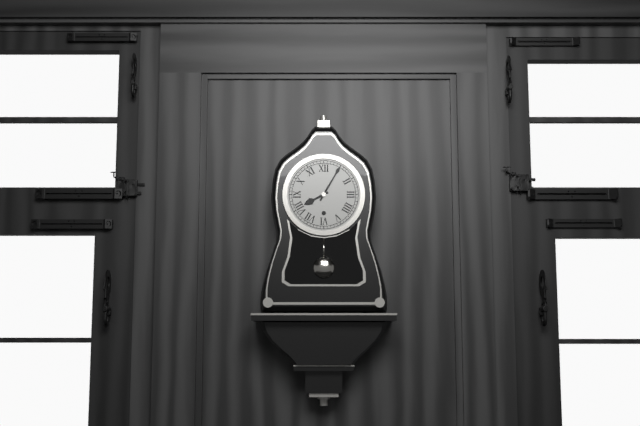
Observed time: **8:05**
